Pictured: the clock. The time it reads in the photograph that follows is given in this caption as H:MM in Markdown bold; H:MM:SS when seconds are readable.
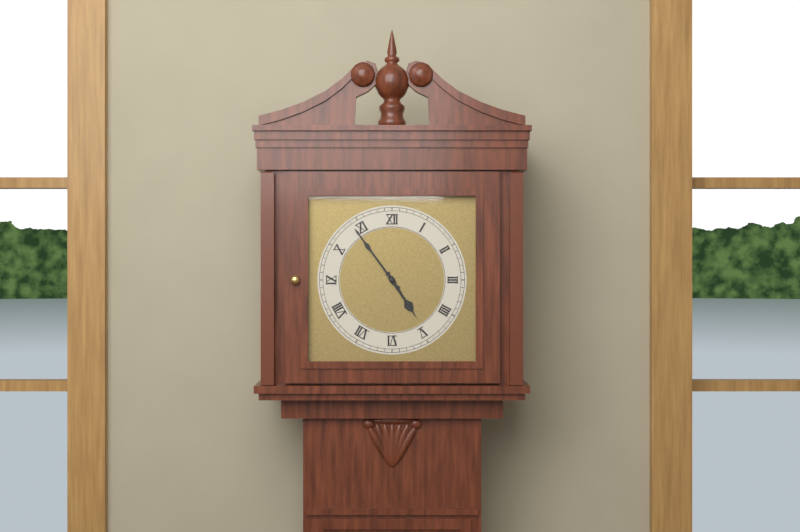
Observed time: **4:54**
